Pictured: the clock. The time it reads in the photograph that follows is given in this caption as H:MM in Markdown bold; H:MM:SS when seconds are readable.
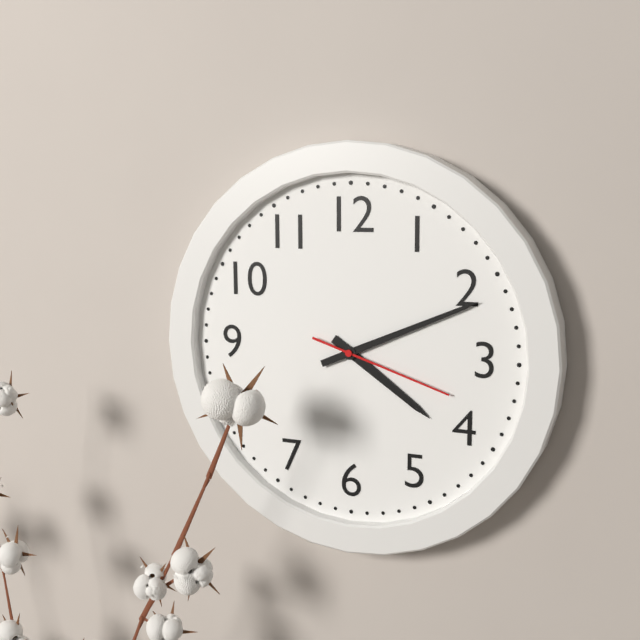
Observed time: **4:11:18**
